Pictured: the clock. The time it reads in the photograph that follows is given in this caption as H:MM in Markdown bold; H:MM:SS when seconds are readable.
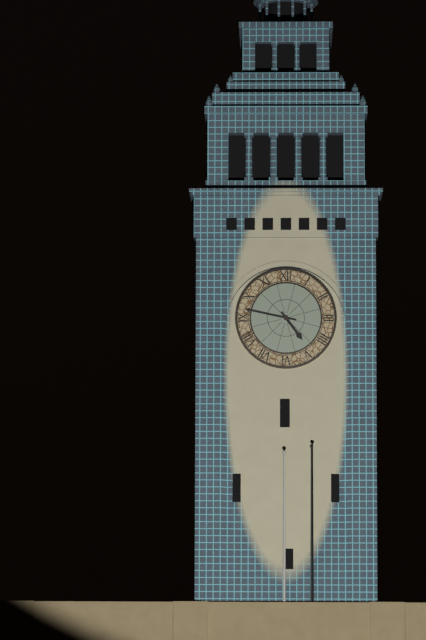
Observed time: **4:47**
